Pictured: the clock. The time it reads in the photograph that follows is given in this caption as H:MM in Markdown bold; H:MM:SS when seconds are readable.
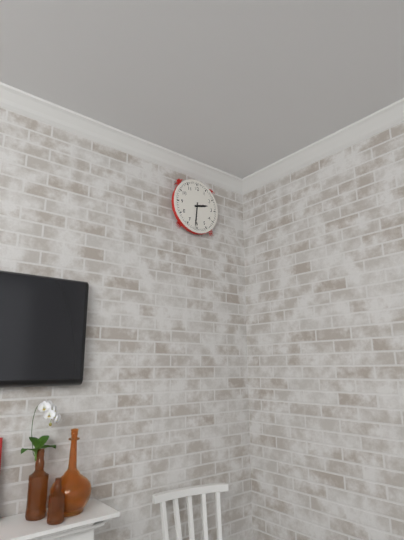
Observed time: **2:31**
